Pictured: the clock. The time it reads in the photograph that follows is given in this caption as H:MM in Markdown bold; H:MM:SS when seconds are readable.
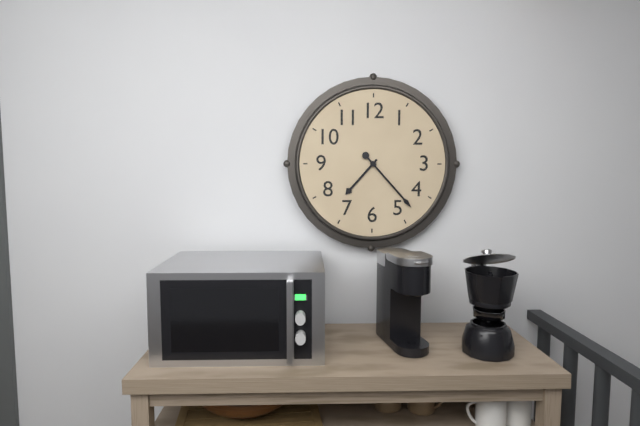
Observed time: **7:23**
